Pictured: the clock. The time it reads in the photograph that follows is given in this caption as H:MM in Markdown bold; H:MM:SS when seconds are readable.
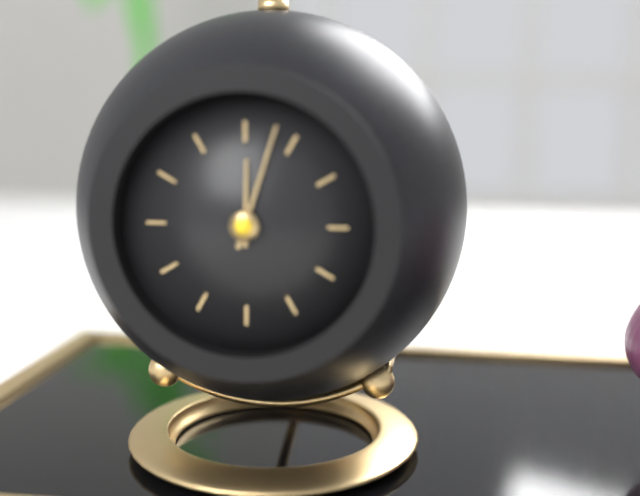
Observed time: **12:03**
